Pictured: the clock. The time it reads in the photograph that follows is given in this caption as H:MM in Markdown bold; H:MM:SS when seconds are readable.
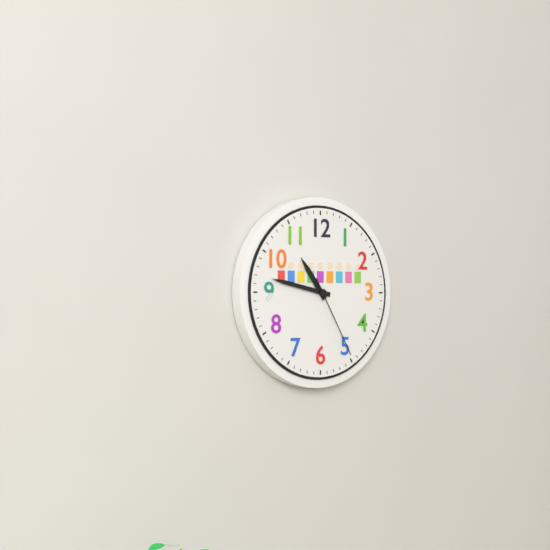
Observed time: **10:47:25**
